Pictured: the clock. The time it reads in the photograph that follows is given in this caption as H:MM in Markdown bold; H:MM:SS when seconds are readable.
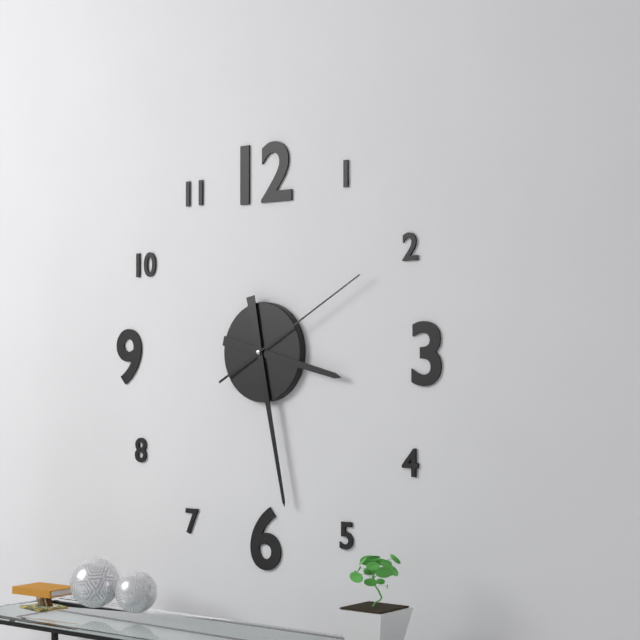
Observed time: **3:28:10**
